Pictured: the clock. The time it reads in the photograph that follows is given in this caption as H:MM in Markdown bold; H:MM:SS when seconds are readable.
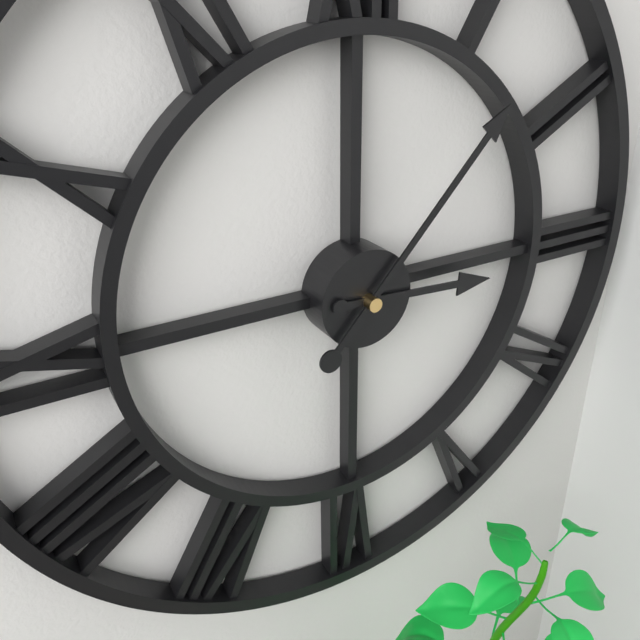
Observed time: **3:07**
